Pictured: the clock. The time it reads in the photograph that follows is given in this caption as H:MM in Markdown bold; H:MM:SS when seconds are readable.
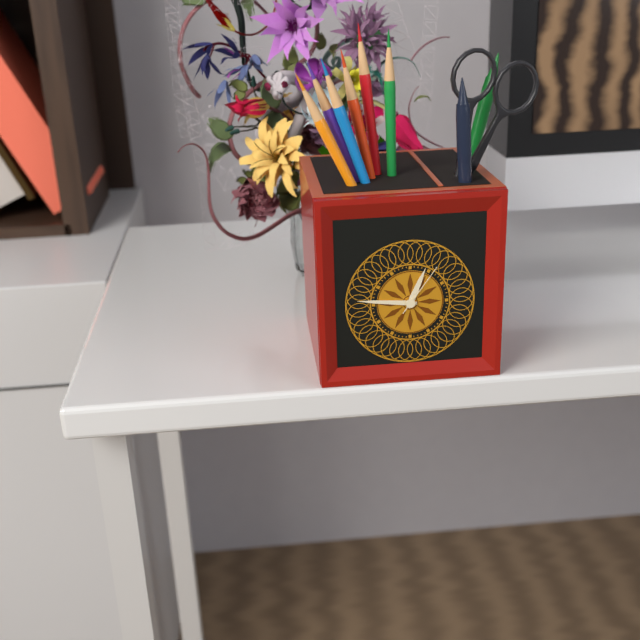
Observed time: **12:46:06**
